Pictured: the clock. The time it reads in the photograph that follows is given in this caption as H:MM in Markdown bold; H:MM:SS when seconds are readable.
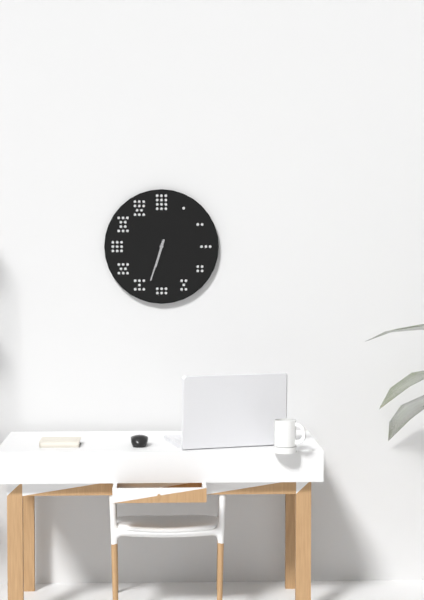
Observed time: **6:33**
